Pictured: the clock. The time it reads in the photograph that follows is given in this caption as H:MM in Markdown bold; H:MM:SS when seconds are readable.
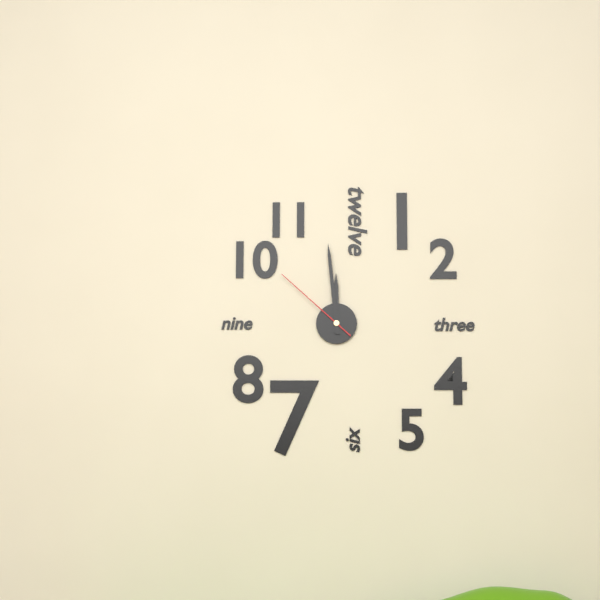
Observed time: **11:59:52**
